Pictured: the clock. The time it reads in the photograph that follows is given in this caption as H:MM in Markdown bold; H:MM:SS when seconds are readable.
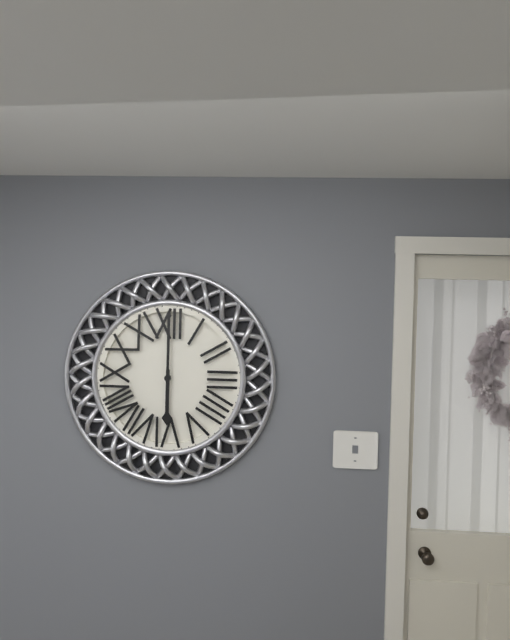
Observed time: **6:00**
